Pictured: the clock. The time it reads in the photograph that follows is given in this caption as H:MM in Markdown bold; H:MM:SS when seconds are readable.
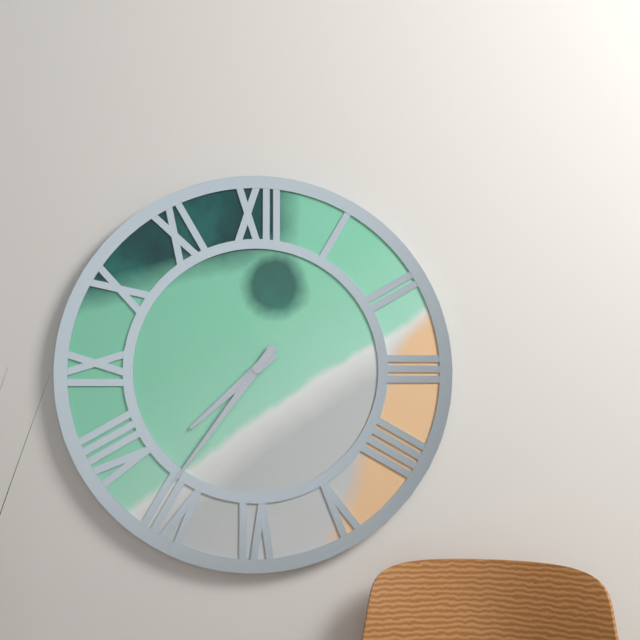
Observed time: **7:36**
